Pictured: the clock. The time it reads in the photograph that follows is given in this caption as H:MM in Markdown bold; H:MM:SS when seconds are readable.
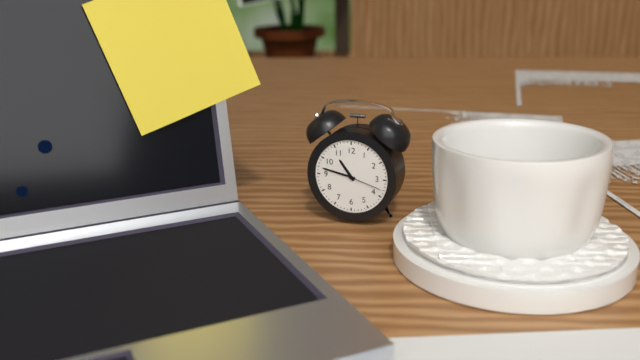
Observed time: **10:47**
